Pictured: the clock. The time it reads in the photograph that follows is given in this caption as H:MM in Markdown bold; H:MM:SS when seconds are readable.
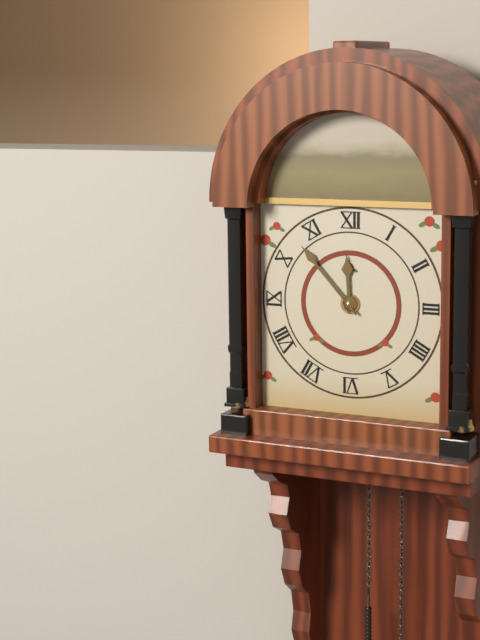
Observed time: **11:53**
